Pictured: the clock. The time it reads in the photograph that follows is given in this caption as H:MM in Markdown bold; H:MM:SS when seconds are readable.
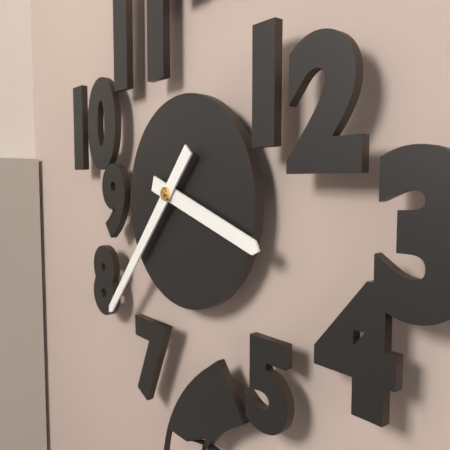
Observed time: **3:37**
